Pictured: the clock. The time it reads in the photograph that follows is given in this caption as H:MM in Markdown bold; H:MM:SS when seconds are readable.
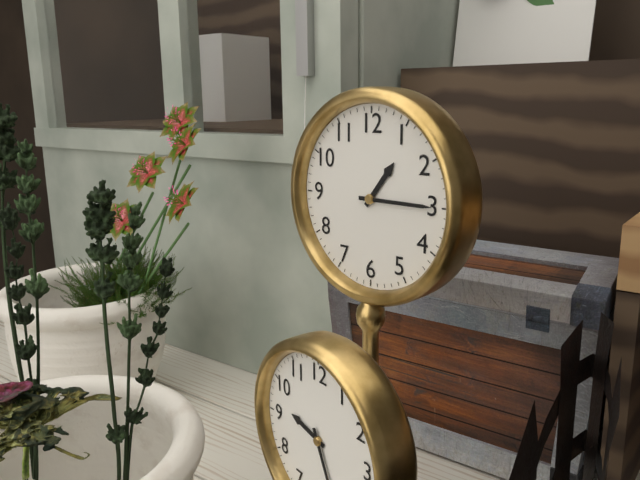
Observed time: **1:15**
